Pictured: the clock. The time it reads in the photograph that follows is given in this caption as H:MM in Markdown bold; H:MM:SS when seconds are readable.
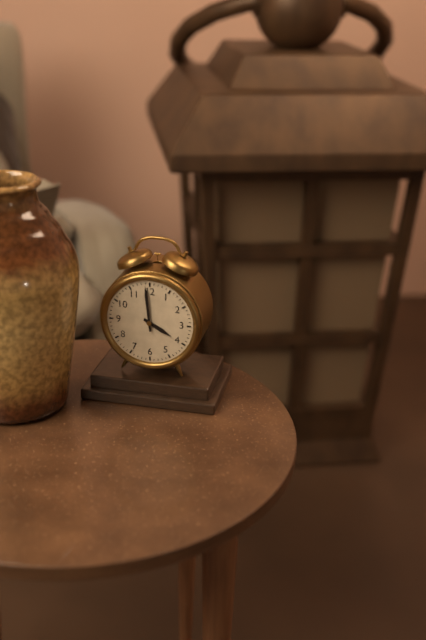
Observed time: **3:59**
